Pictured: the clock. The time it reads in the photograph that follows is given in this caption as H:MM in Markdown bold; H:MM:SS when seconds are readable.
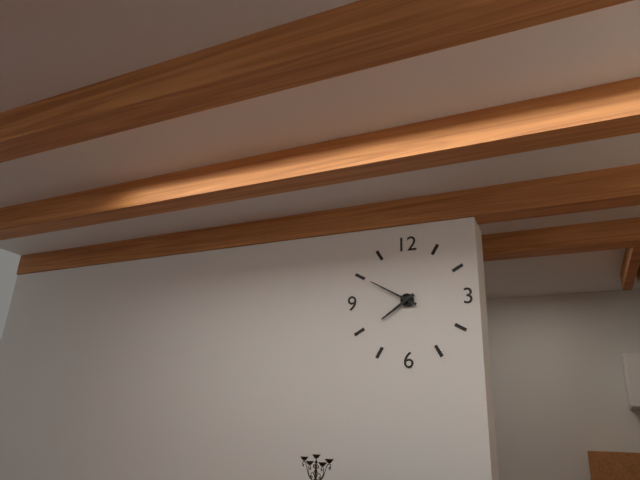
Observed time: **7:50**
